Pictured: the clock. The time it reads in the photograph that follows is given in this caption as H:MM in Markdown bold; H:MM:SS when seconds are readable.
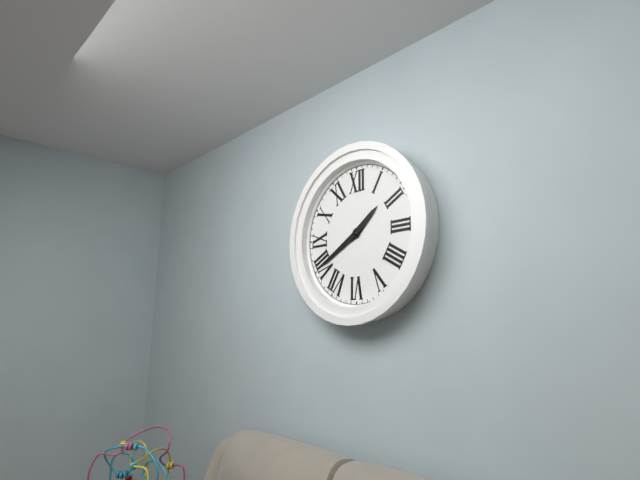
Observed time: **1:40**
